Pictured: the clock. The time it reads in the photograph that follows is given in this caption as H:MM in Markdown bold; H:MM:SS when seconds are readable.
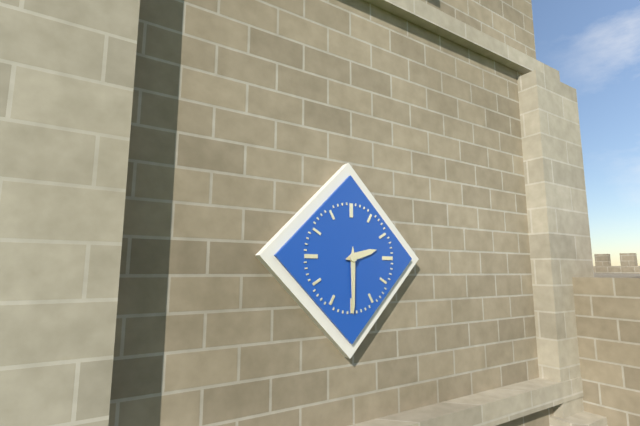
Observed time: **2:30**
